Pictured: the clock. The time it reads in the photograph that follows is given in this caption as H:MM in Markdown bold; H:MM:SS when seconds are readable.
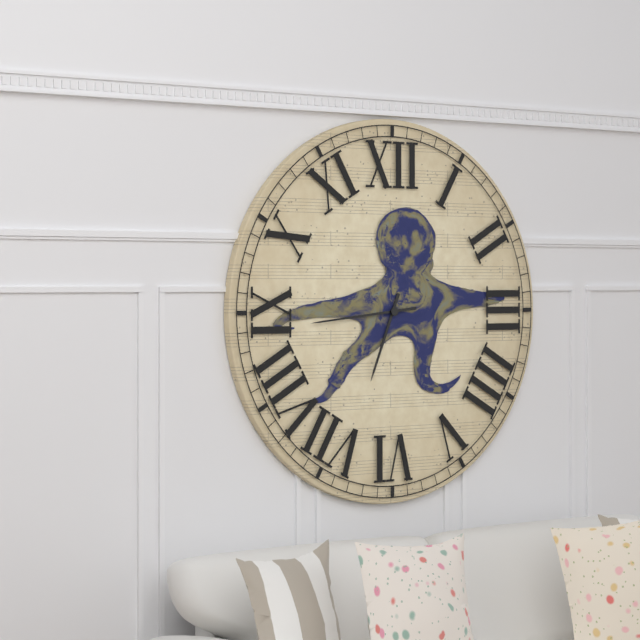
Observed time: **6:44**
